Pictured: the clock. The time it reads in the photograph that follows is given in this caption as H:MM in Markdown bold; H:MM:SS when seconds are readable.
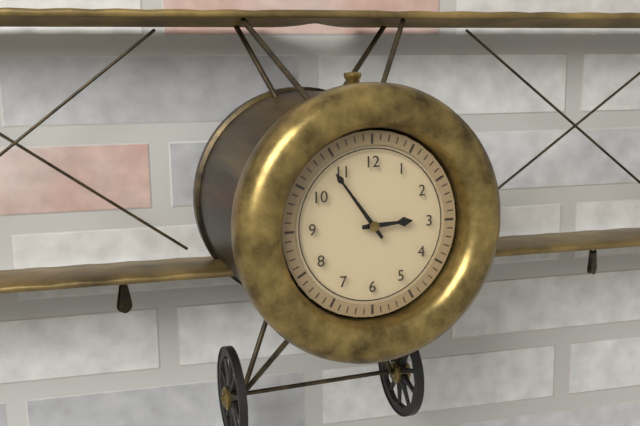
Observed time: **2:54**
